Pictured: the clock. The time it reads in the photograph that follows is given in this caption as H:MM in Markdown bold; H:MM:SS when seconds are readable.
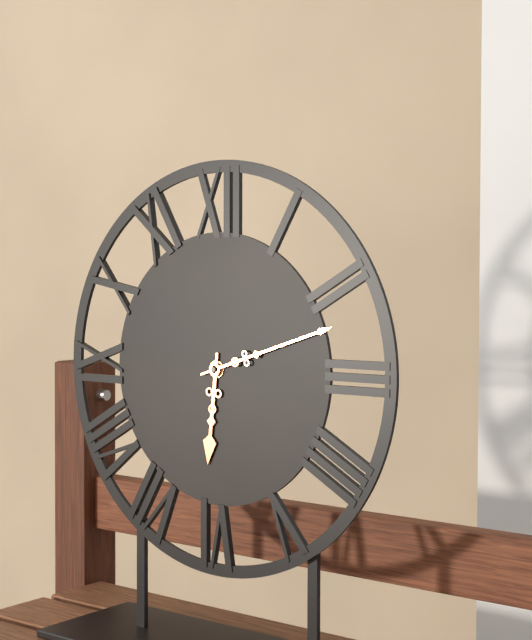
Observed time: **6:12**
